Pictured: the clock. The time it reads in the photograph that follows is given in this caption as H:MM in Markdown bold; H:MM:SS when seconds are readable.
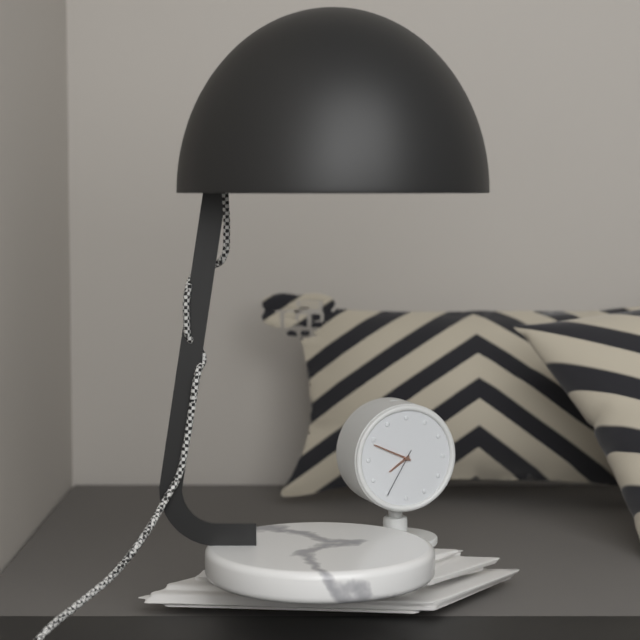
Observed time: **7:49:35**
